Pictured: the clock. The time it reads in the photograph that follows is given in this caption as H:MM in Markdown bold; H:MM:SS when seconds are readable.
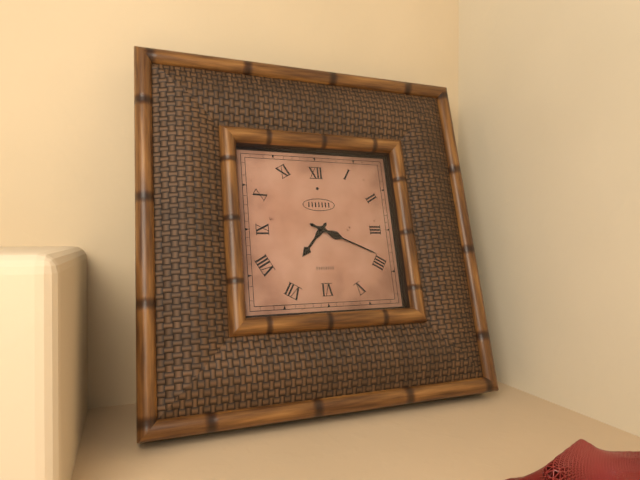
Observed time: **7:19**
